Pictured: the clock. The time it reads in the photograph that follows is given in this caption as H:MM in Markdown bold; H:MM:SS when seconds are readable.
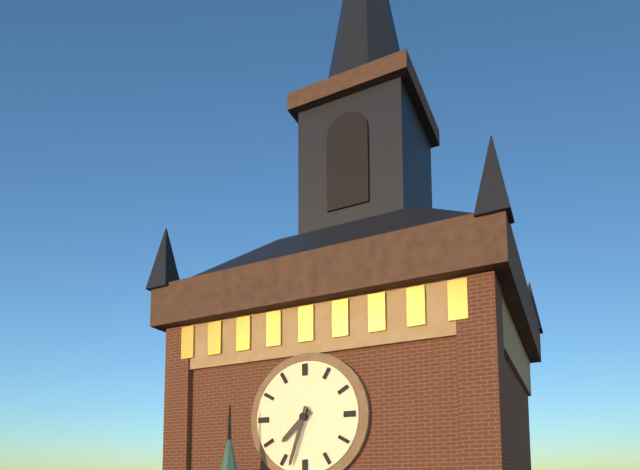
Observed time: **7:33**
